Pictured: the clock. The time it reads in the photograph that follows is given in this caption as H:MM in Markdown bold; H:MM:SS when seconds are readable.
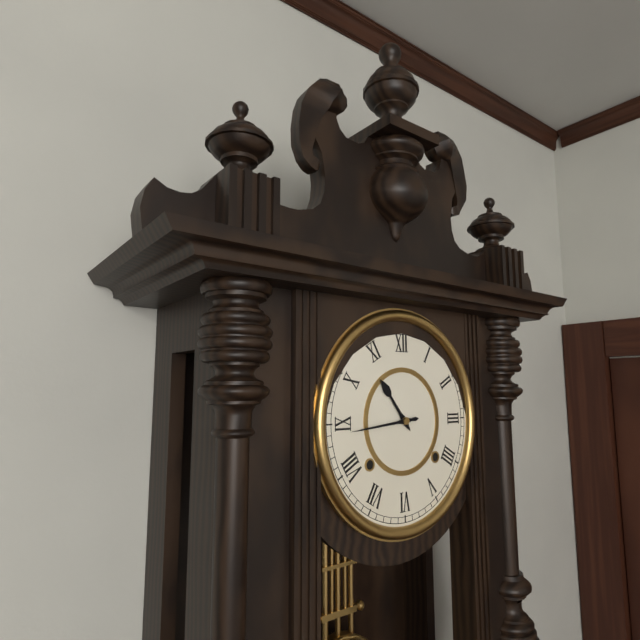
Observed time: **10:44**
